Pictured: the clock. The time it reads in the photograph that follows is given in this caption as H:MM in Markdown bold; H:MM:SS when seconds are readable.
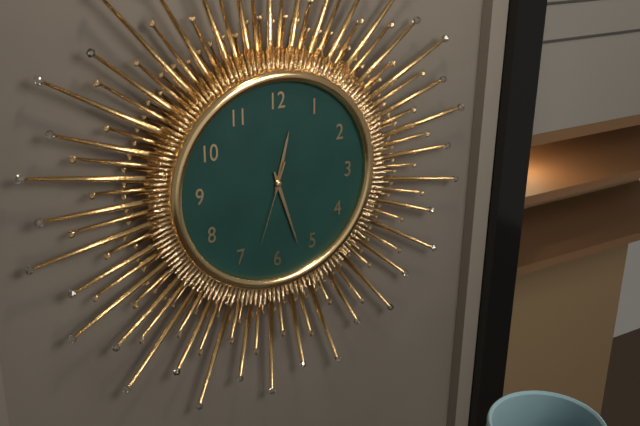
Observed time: **12:27:33**
